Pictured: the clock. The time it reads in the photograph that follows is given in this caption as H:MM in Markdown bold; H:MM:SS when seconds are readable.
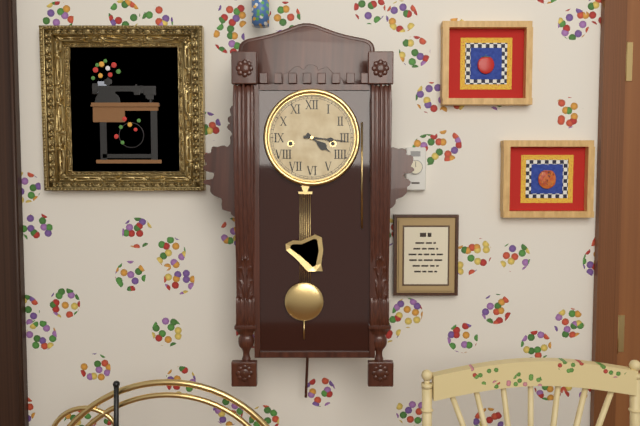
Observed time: **4:16**
